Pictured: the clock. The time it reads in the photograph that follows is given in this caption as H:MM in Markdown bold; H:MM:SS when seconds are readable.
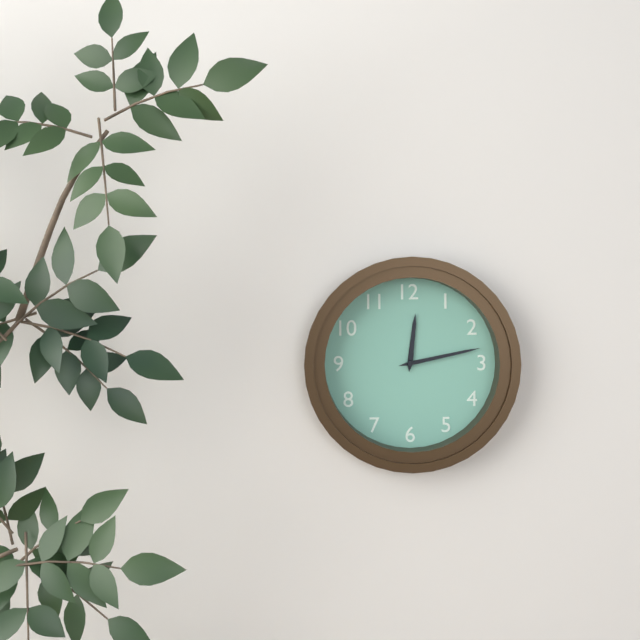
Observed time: **12:13**
